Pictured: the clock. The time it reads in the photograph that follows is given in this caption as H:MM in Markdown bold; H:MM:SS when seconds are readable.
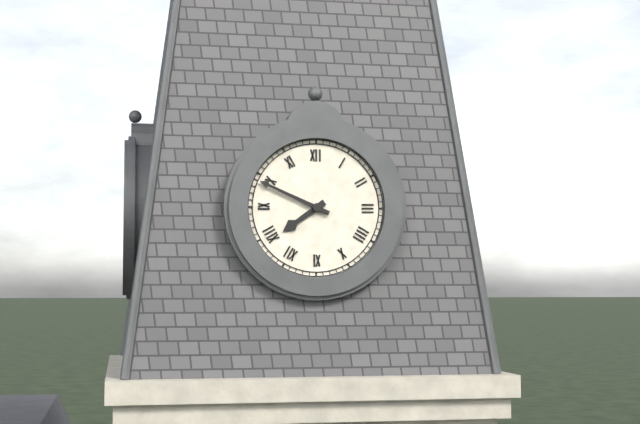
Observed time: **7:49**
